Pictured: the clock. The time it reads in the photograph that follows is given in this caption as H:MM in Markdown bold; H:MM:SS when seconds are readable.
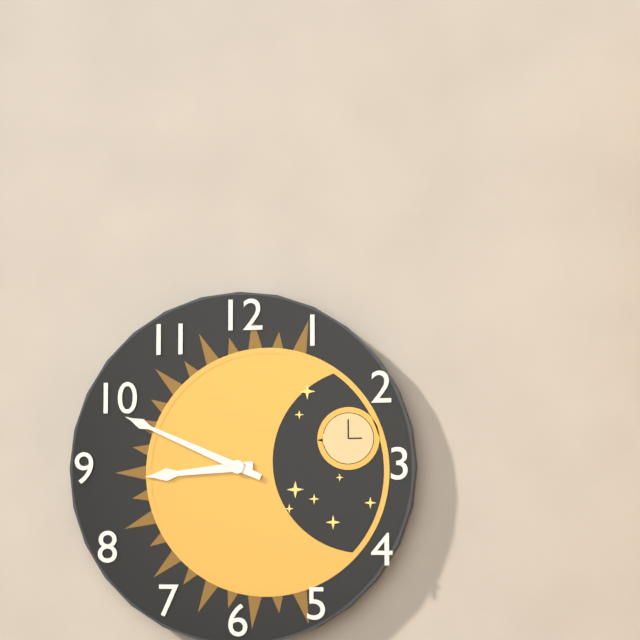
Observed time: **8:49**
